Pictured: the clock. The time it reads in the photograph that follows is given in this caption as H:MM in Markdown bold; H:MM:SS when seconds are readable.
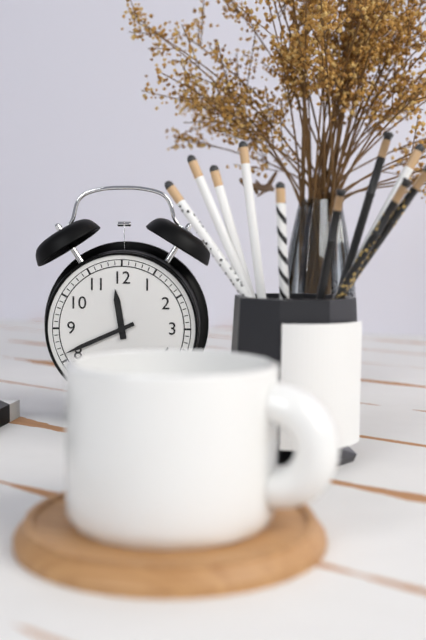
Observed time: **11:41**
